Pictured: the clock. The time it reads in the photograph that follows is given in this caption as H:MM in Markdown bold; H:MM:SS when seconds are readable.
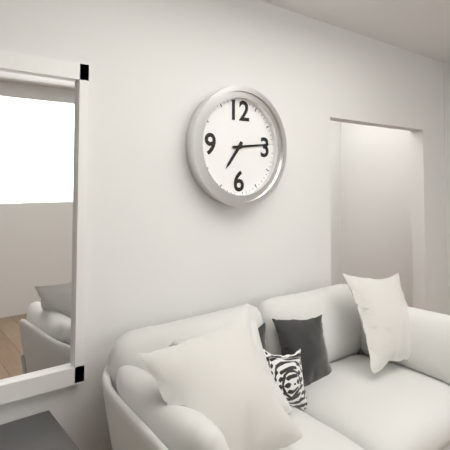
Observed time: **7:14**
